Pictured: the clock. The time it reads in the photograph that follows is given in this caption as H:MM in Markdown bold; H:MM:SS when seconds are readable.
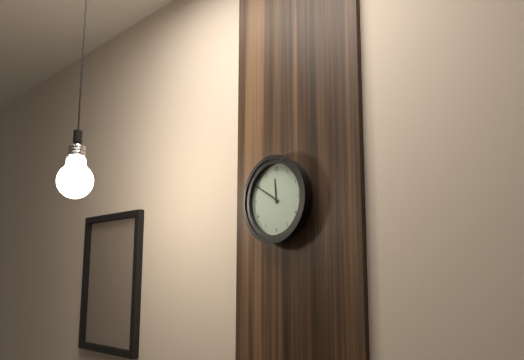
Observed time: **11:50**
